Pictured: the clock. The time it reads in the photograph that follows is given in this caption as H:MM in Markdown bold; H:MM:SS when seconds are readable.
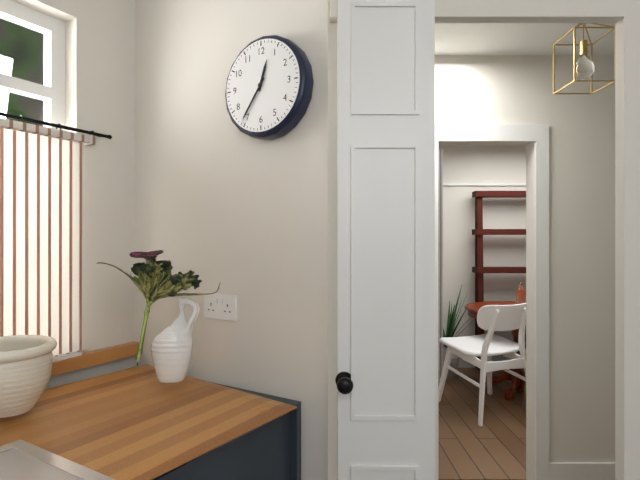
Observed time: **12:36**
